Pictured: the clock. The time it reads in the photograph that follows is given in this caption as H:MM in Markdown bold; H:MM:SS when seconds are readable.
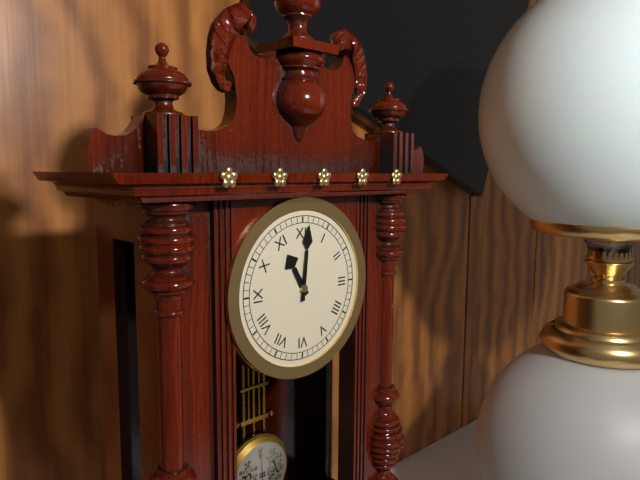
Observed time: **11:01**
